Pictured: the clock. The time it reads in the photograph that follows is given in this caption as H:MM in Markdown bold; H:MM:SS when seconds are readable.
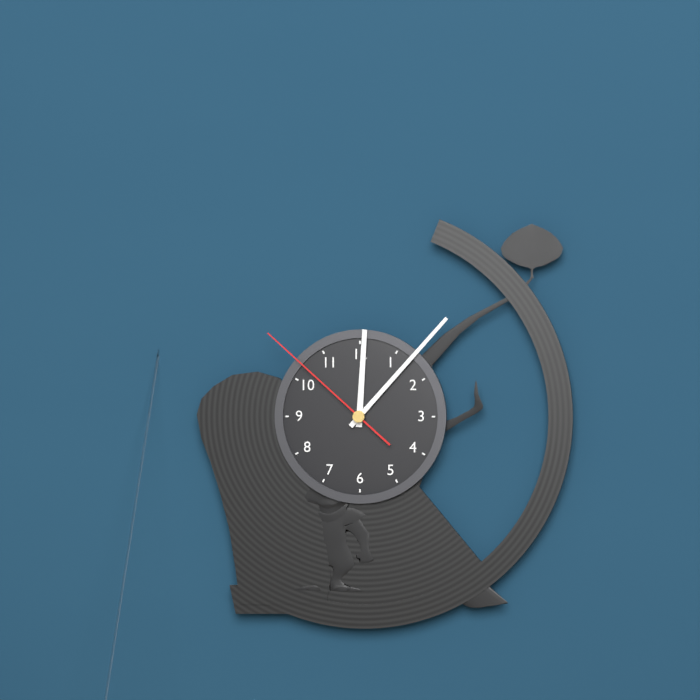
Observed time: **12:07:52**
